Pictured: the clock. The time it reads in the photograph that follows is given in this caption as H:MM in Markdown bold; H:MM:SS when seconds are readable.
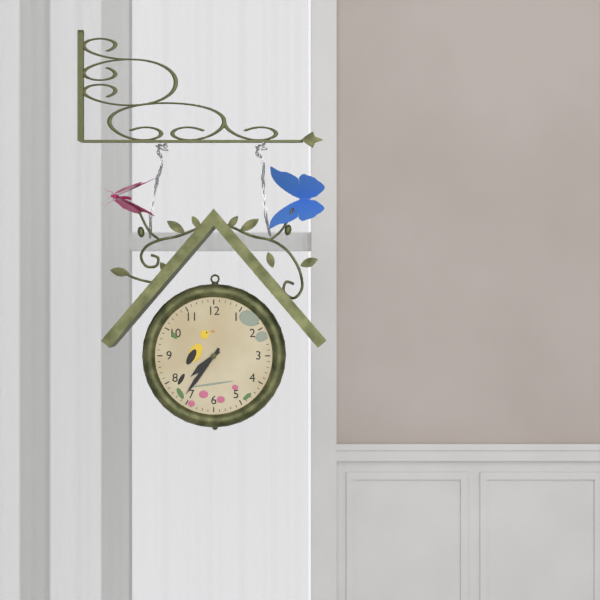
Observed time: **7:36**
